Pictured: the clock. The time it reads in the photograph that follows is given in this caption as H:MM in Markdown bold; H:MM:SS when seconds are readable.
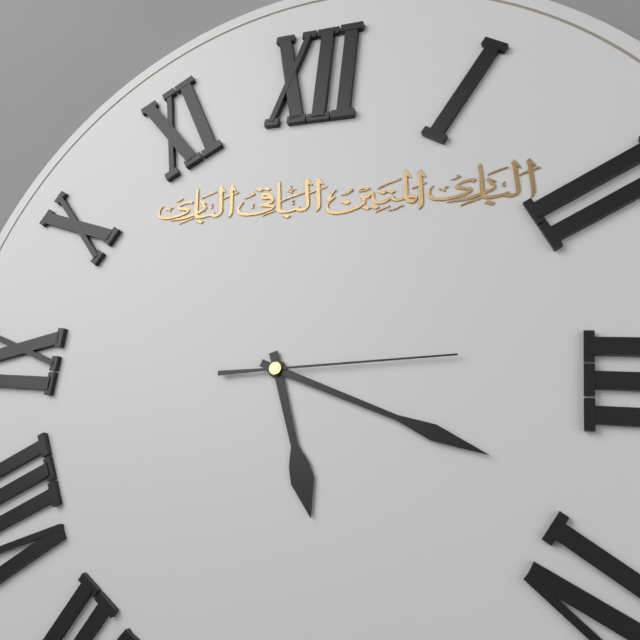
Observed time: **5:18:14**
